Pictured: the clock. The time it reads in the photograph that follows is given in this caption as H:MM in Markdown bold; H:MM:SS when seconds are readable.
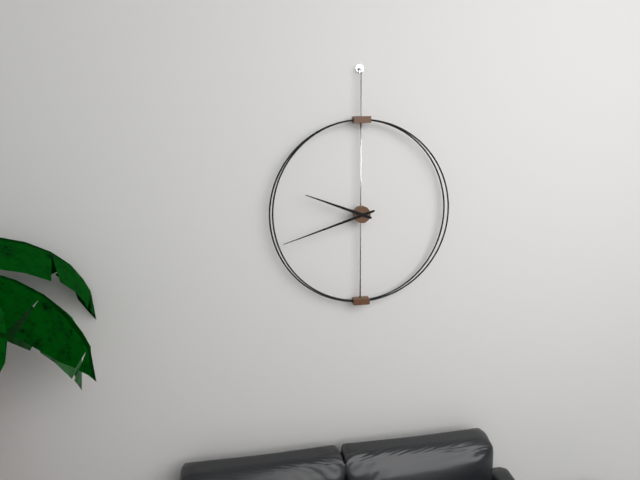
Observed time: **9:42**
